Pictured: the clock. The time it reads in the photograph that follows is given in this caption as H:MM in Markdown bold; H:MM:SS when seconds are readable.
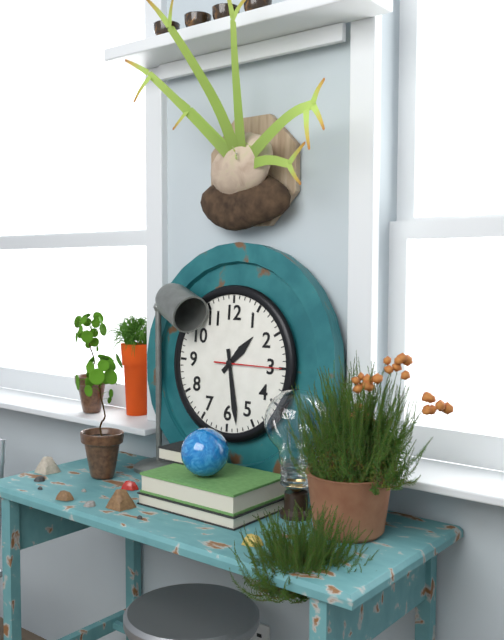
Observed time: **1:28:15**
